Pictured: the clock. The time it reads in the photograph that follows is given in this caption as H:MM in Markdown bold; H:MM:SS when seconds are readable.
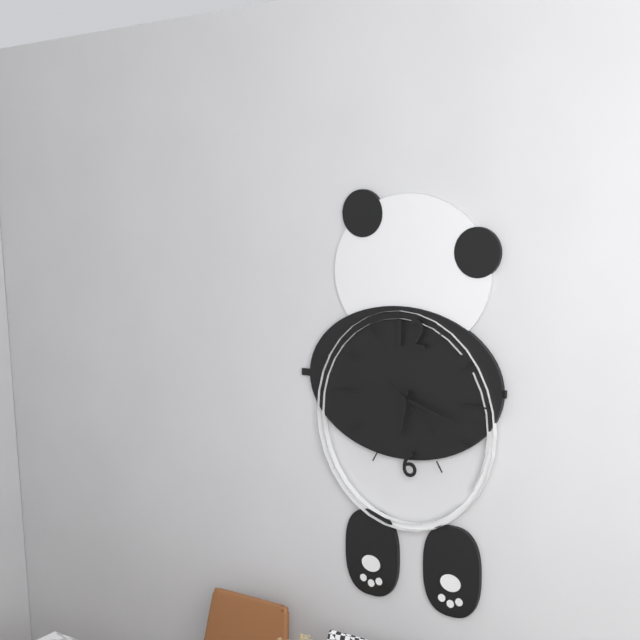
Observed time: **6:18:22**
